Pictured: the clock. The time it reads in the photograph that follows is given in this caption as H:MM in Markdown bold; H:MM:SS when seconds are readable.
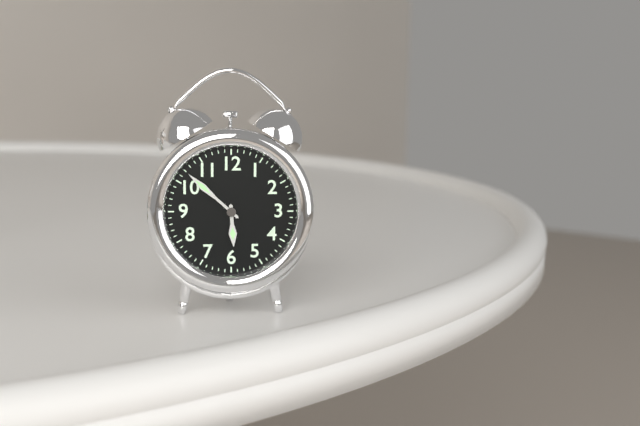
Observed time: **5:52**
